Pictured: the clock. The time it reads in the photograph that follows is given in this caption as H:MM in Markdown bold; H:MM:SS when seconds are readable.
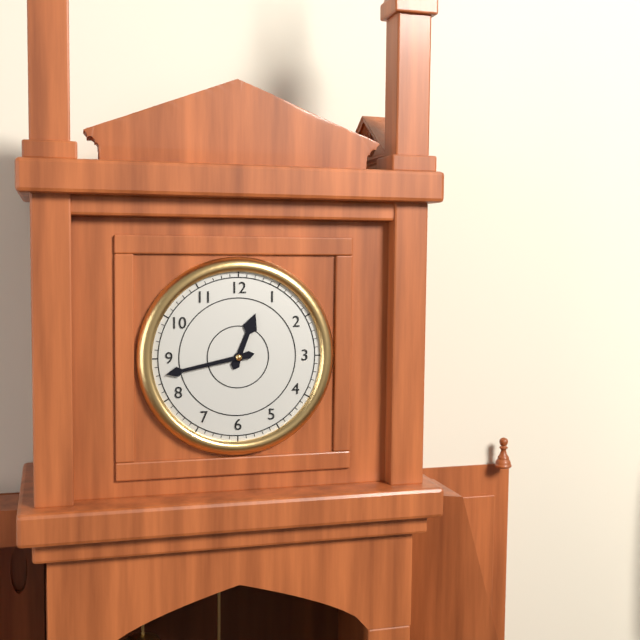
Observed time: **12:43**
